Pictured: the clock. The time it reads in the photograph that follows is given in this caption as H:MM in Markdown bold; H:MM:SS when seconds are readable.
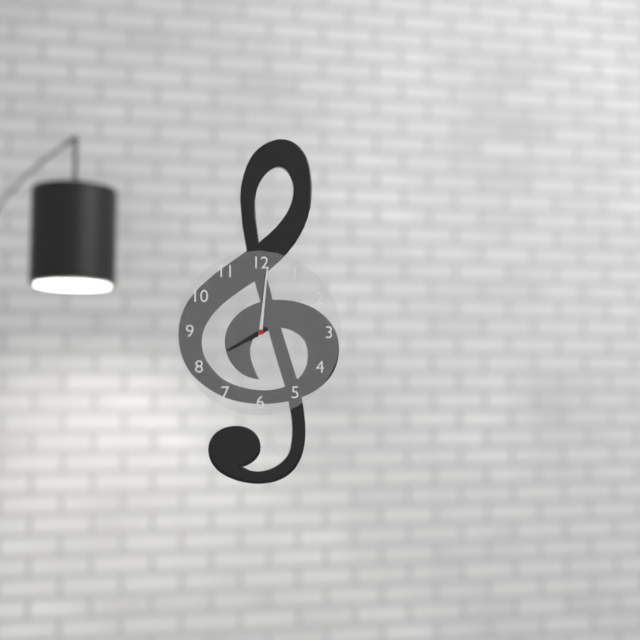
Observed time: **8:01**
